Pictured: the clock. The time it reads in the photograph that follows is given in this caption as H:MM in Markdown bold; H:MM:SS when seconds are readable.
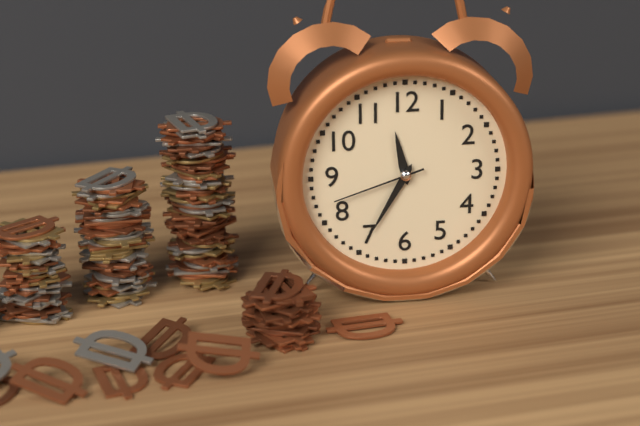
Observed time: **11:35:42**
